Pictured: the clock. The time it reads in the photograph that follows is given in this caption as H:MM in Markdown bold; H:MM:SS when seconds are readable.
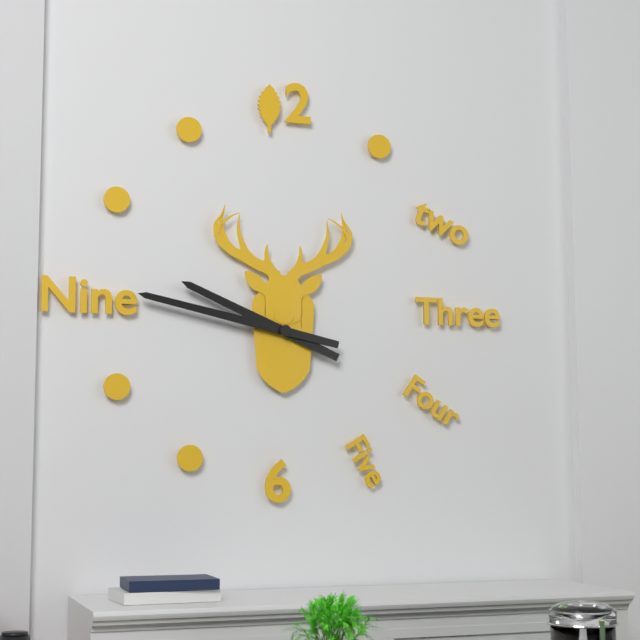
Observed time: **9:47**
